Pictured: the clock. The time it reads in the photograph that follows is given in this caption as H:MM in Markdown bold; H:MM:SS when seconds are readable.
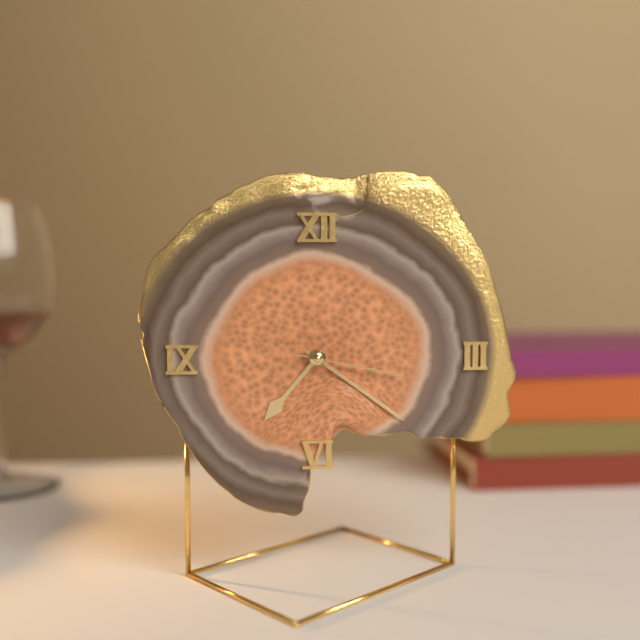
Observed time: **7:21:17**
